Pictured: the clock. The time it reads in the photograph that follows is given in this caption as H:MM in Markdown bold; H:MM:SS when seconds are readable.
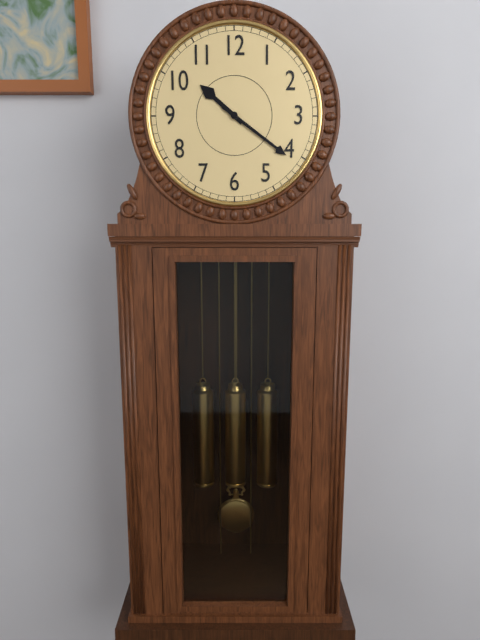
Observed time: **10:21**
